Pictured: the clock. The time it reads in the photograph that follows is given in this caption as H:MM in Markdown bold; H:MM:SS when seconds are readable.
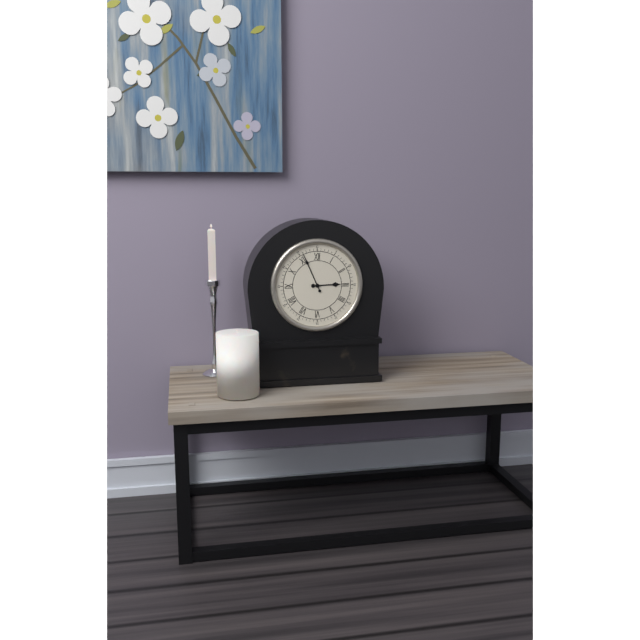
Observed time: **2:56**
